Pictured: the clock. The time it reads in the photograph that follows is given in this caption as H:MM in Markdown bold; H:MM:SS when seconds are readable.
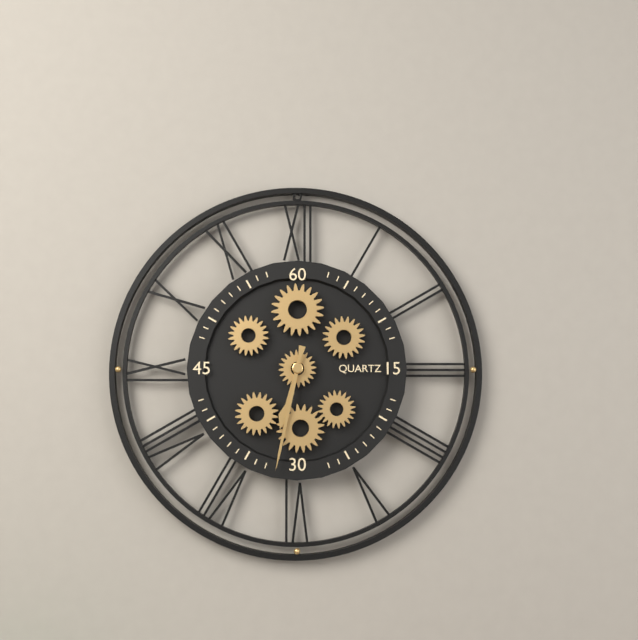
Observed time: **6:32**
